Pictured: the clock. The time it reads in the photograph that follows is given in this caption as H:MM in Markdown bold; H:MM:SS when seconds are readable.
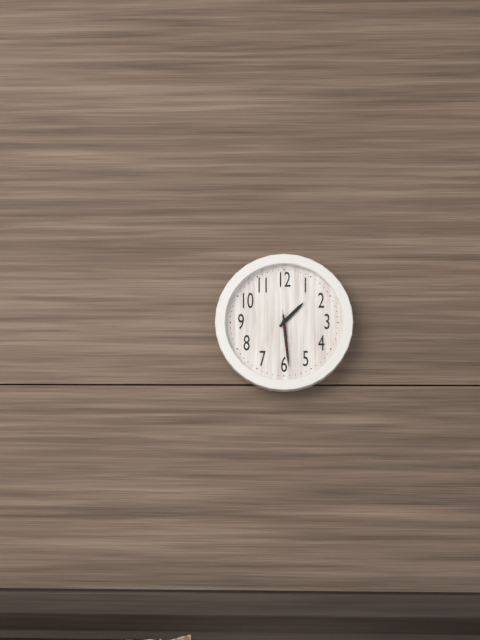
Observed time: **1:29:29**
